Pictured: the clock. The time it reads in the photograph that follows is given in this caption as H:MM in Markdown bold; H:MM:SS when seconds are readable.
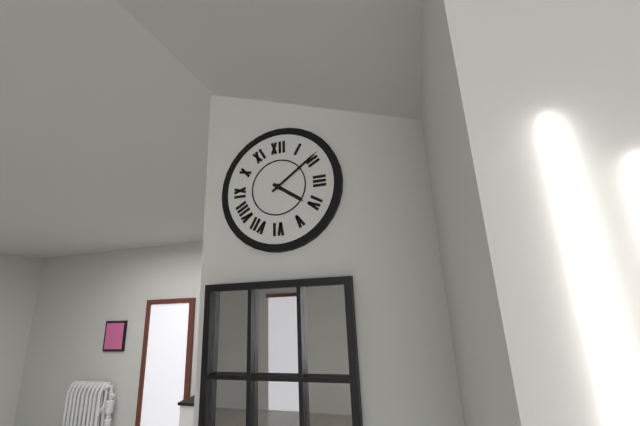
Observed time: **4:09**
